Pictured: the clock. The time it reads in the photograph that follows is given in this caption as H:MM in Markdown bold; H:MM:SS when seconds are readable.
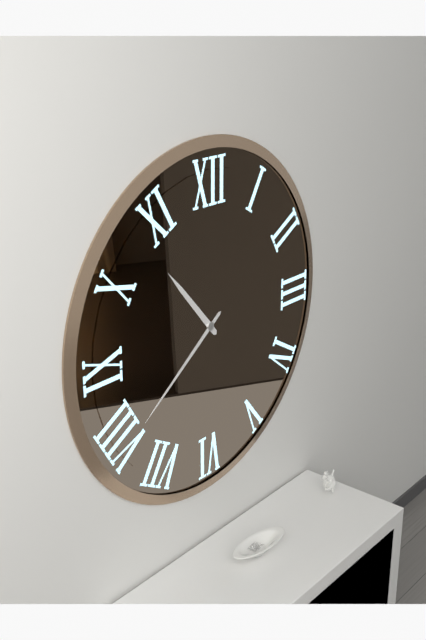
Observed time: **10:39**
